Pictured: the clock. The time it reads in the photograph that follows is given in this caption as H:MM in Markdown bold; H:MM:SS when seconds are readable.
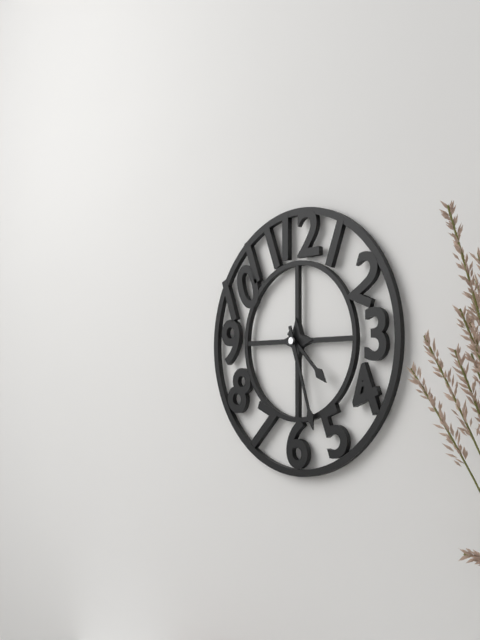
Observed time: **4:27**
